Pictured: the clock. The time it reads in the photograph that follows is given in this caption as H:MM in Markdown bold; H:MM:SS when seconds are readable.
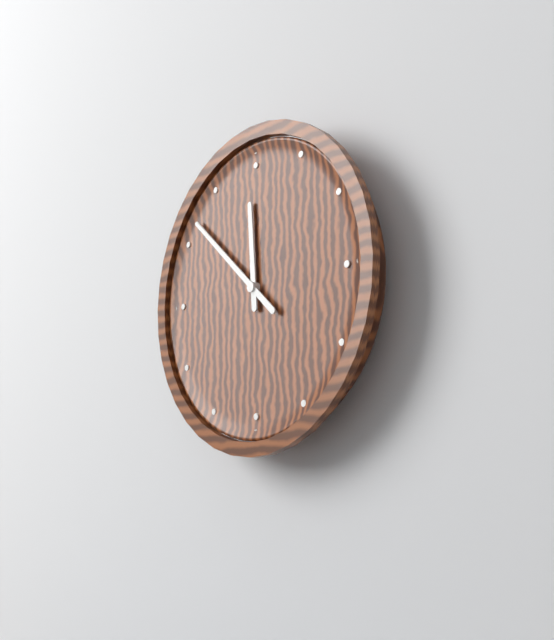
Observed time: **11:52**
